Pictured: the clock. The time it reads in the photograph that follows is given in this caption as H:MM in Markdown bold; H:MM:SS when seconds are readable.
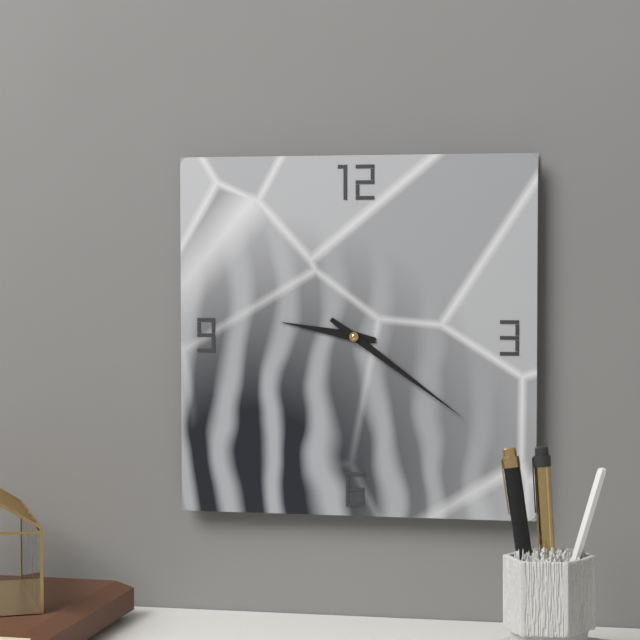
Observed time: **9:21**
